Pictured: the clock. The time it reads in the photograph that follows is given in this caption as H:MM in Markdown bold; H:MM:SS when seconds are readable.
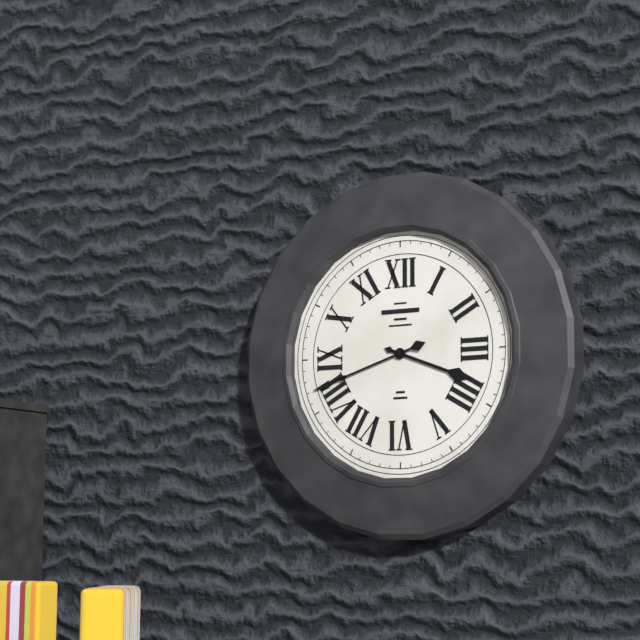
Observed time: **3:42**
